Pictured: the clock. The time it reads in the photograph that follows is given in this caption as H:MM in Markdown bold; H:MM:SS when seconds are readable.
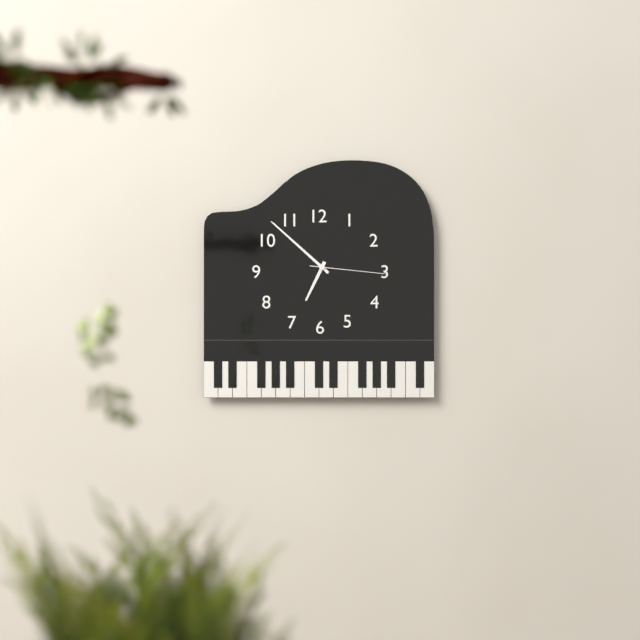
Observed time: **6:52:16**
